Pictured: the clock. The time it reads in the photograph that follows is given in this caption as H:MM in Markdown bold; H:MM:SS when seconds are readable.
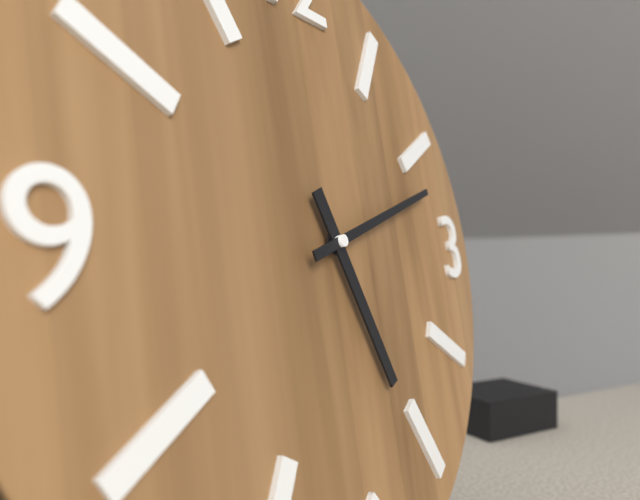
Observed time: **5:12**
